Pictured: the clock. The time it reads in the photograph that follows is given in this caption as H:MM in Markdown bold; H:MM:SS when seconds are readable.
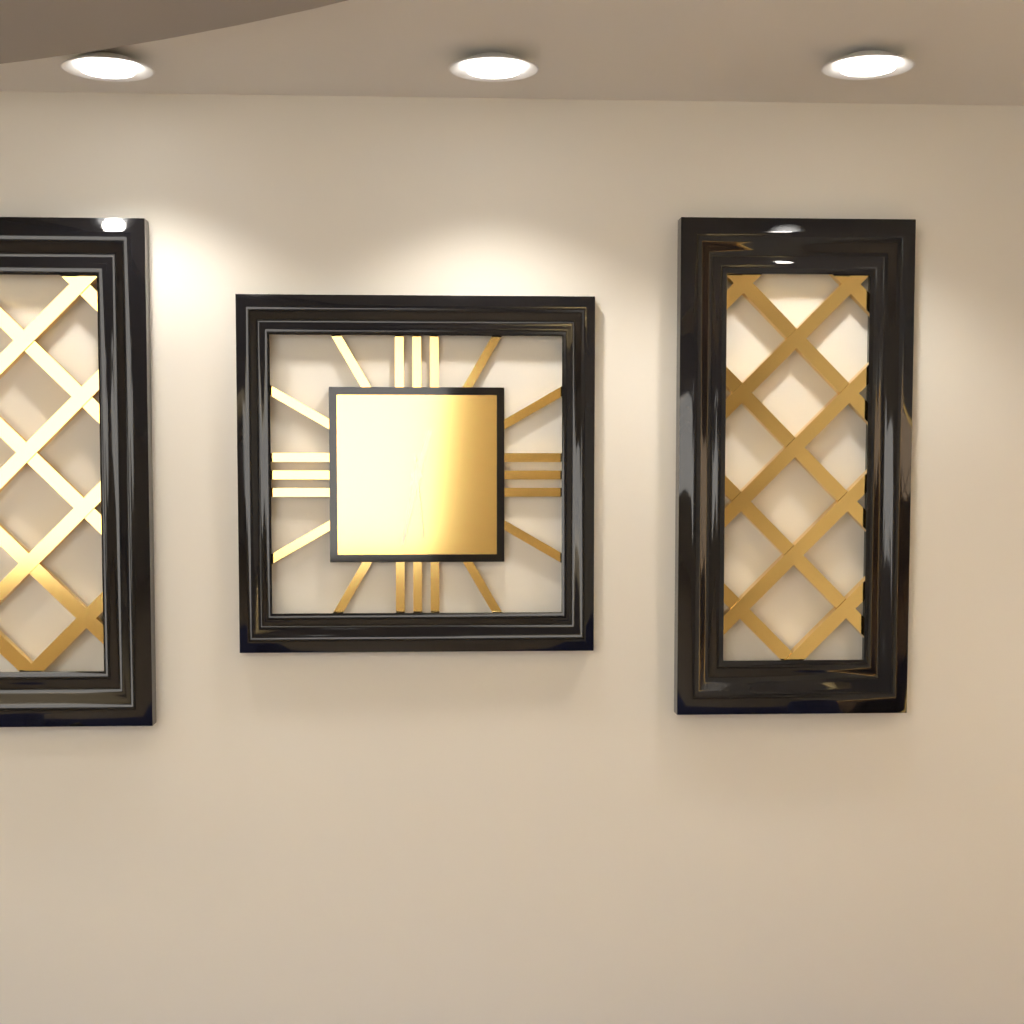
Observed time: **12:32:29**
